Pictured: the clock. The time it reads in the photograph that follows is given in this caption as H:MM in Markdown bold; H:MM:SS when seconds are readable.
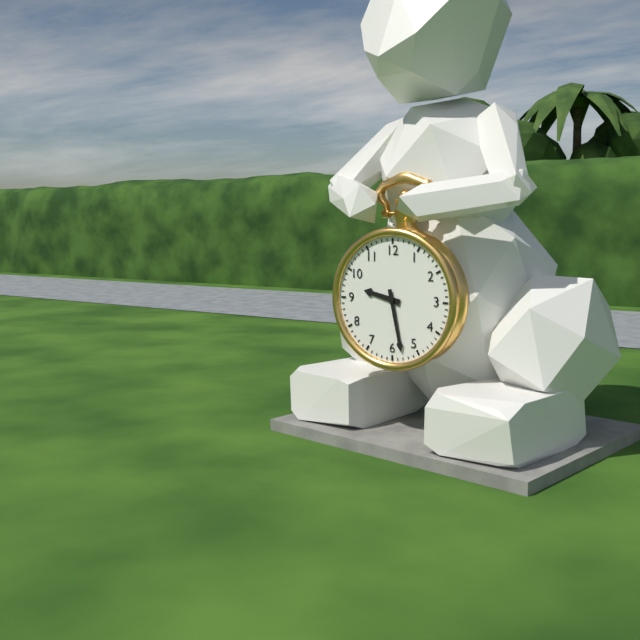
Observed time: **9:28**
